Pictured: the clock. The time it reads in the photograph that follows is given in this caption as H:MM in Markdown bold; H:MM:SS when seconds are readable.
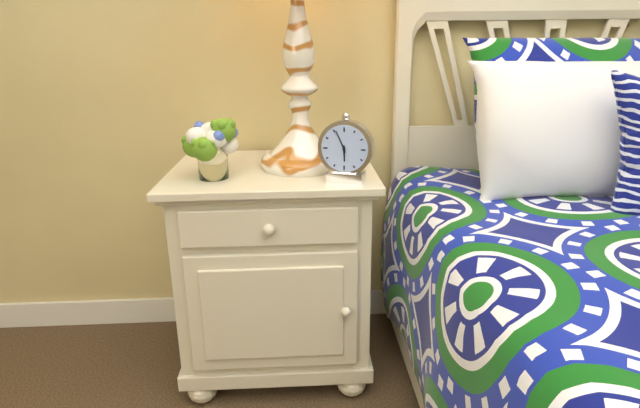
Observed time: **5:56**
